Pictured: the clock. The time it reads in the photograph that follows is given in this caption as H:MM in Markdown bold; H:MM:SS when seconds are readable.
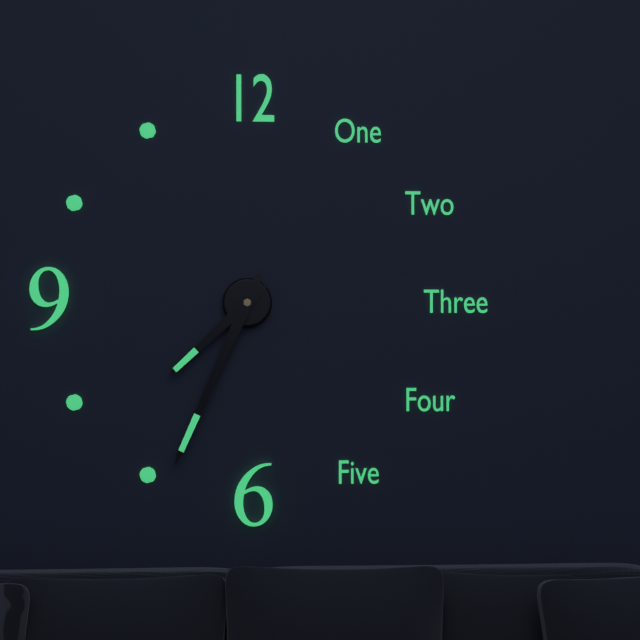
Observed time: **7:34**
